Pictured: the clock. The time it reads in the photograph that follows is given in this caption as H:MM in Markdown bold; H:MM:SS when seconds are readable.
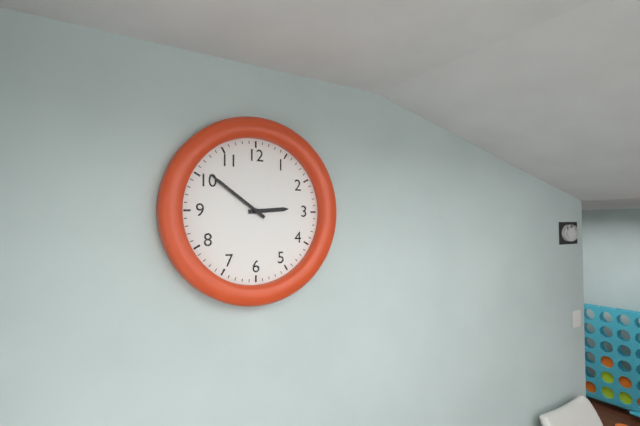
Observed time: **2:51**
